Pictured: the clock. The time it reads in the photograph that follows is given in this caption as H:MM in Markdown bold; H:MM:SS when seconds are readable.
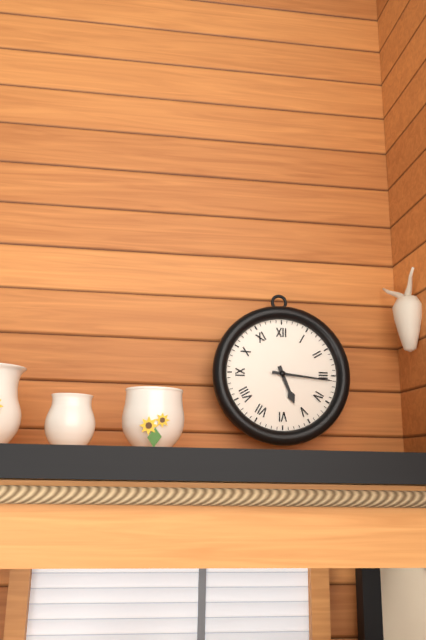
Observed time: **5:16**
